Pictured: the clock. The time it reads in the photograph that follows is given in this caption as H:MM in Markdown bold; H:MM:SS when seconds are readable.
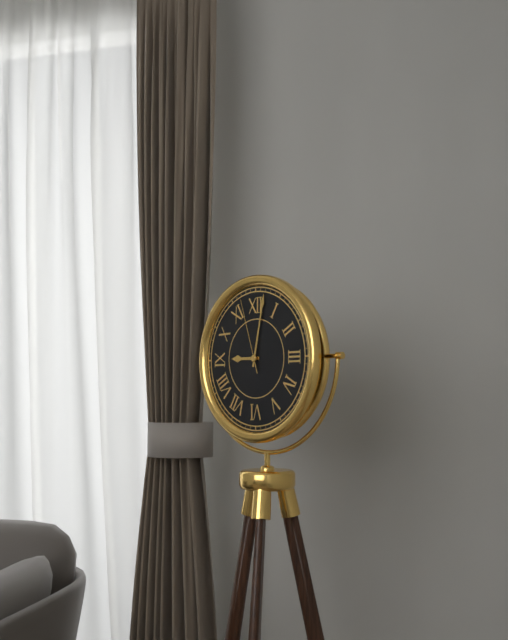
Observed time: **9:02:57**
